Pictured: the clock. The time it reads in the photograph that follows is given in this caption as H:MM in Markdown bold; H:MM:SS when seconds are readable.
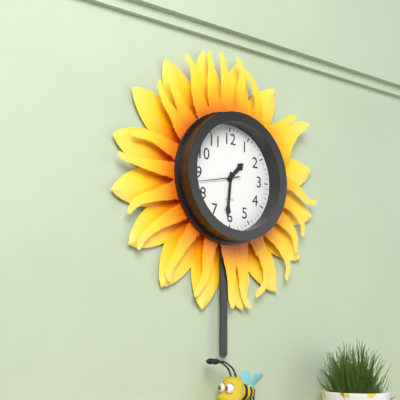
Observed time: **1:31**
